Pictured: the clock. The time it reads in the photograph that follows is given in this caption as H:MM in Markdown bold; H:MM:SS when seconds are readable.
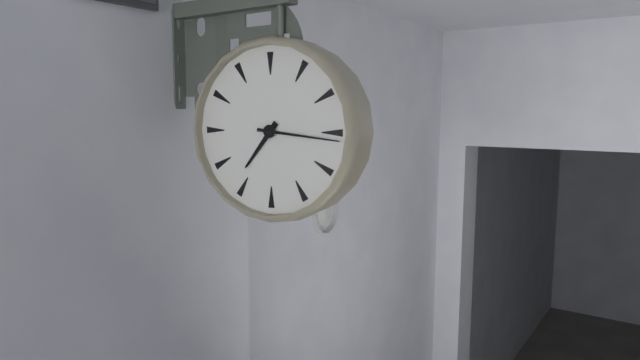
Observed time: **7:16**
